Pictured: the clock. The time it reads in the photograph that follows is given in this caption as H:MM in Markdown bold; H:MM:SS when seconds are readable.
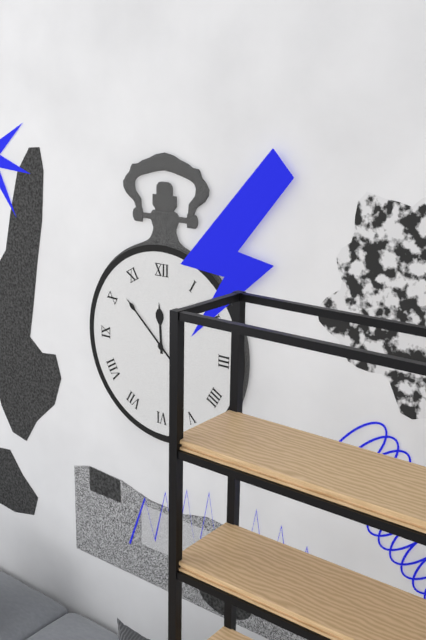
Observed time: **11:52**
